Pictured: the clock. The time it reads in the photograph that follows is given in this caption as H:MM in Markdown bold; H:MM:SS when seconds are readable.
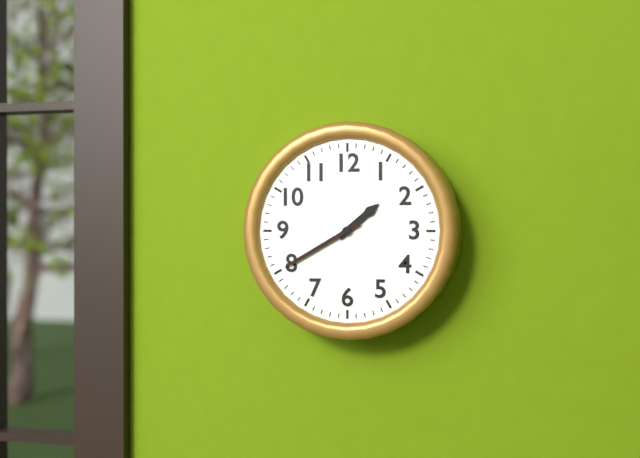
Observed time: **1:40**
